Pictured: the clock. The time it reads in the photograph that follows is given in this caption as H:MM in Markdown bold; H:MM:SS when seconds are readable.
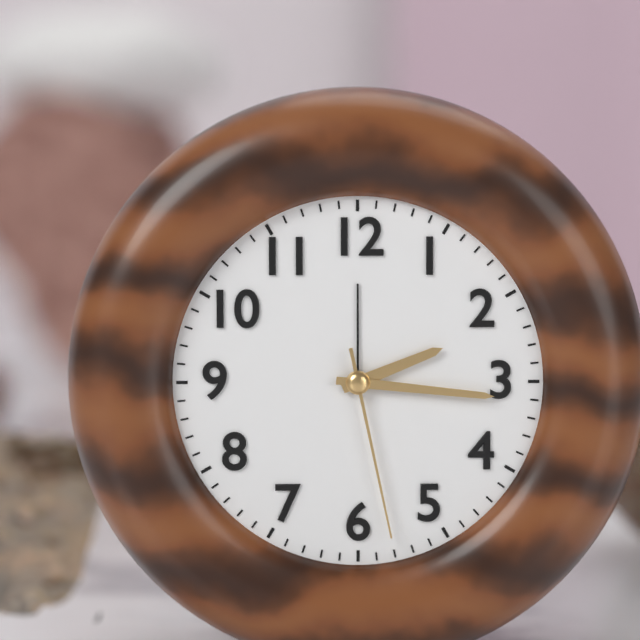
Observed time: **2:16:28**
